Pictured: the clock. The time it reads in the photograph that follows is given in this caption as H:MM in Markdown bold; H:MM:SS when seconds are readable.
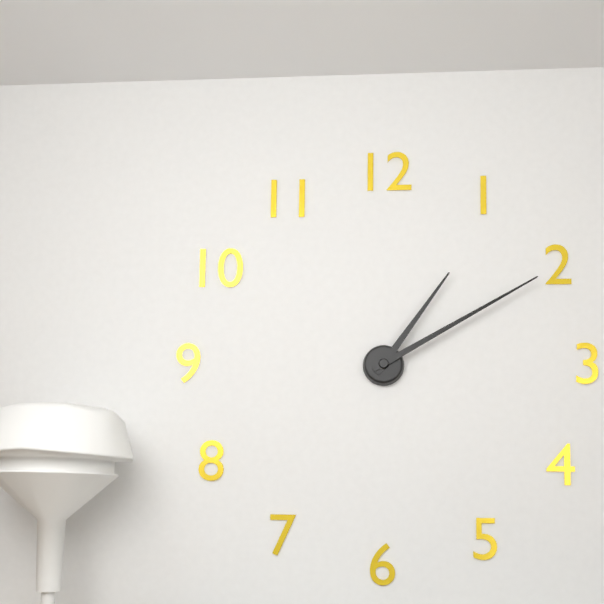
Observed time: **1:10**
